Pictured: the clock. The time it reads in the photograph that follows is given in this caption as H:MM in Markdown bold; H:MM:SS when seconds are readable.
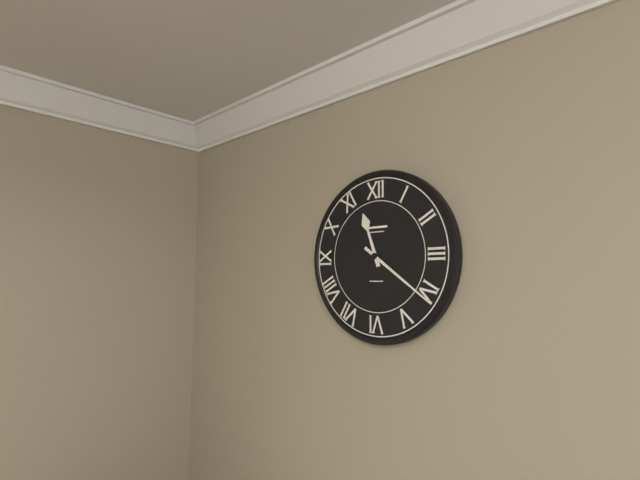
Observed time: **11:21**
